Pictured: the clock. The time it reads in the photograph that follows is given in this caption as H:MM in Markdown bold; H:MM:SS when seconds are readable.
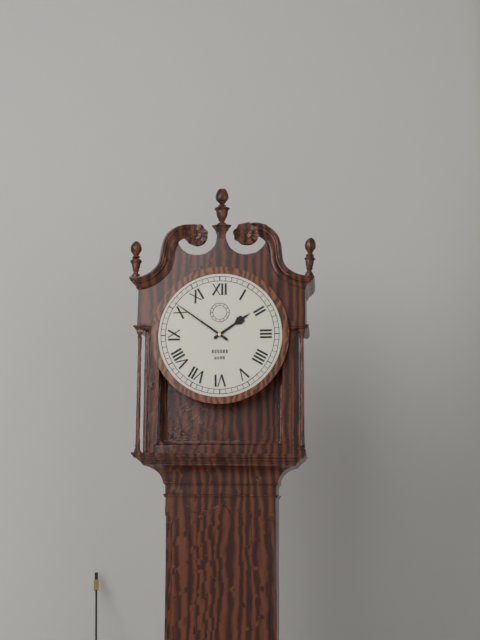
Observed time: **1:51**
